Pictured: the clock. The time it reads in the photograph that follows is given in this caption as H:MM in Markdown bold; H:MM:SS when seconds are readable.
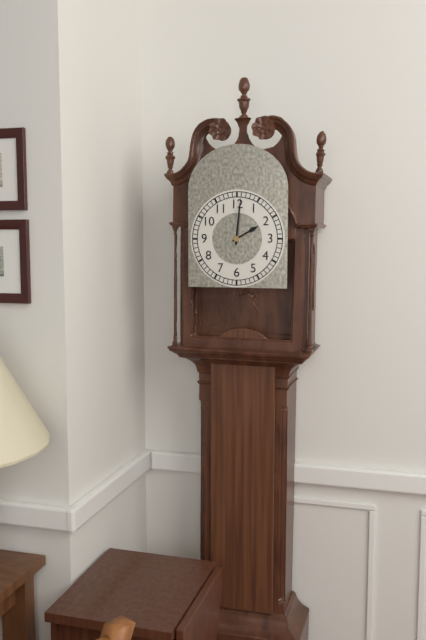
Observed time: **2:01**
